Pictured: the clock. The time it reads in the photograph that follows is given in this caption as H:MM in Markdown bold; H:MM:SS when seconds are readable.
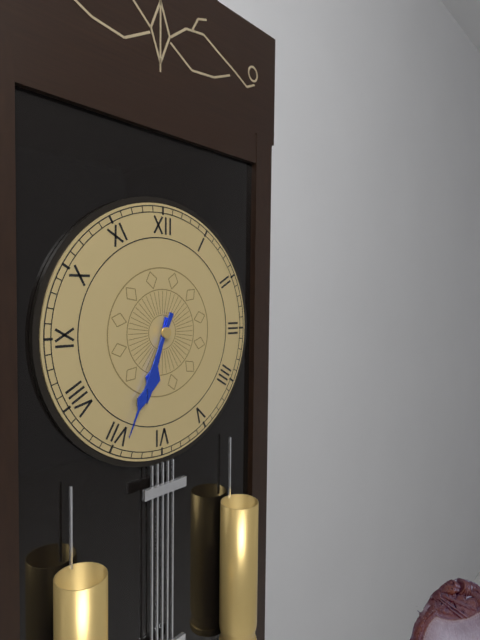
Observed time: **6:34**
